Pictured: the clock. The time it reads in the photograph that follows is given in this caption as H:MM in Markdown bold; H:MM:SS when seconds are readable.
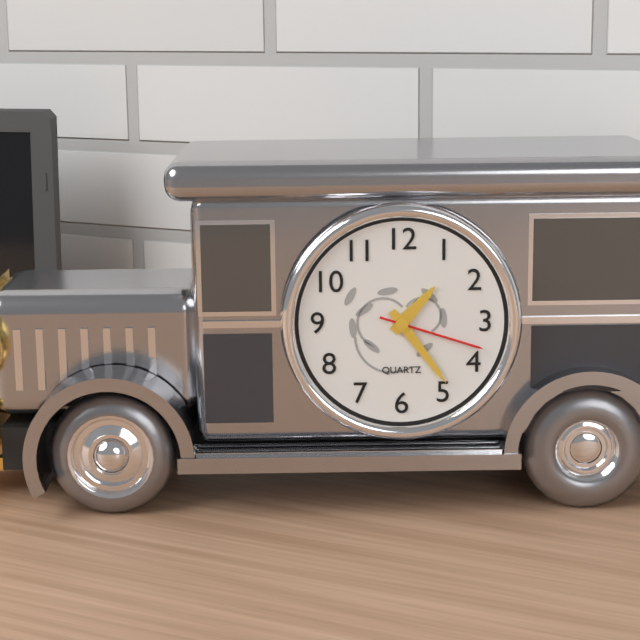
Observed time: **1:24:18**
